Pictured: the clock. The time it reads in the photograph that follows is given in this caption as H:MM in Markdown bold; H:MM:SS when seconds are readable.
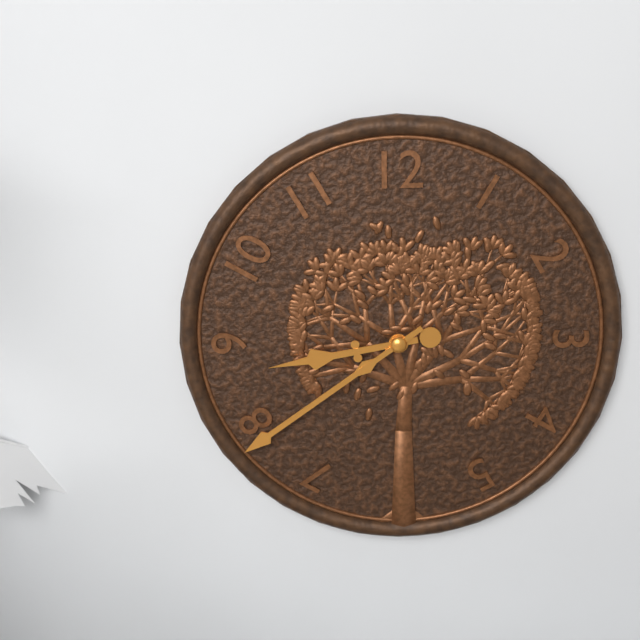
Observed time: **8:39**
